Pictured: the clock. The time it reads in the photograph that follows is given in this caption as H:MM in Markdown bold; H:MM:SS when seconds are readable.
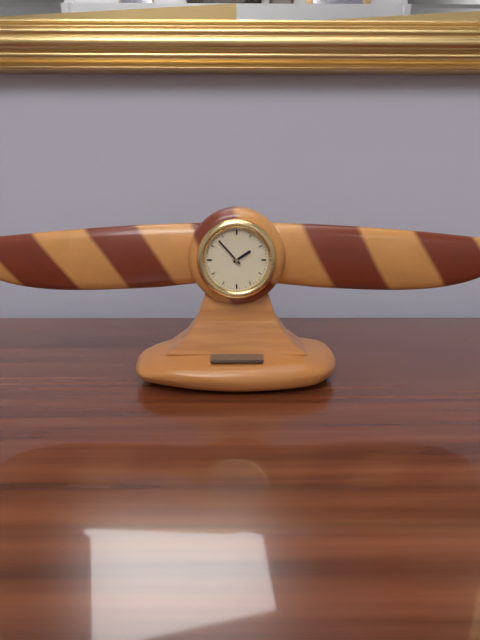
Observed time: **1:53**
